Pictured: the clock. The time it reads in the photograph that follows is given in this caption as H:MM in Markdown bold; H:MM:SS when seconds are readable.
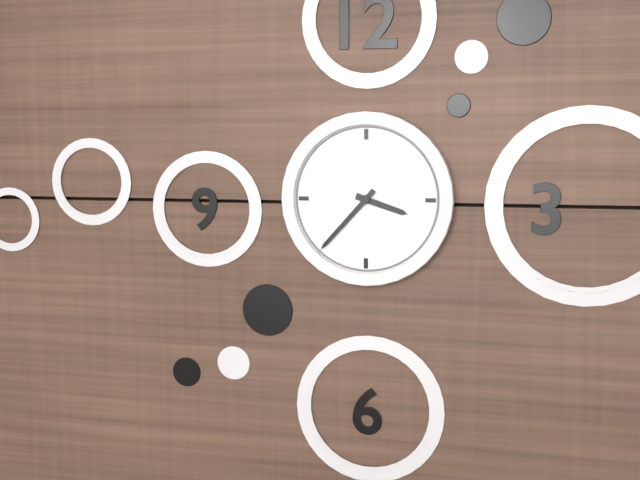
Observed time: **3:37**
